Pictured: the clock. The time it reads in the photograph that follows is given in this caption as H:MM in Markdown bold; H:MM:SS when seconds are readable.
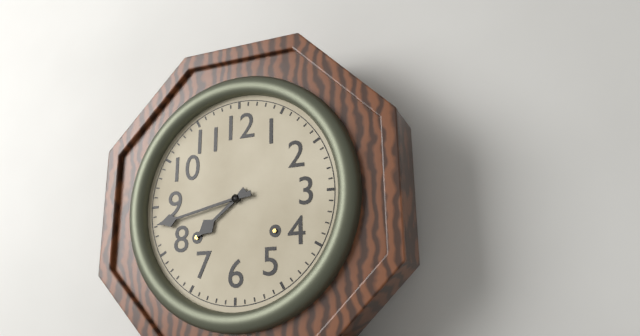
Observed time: **7:43**
